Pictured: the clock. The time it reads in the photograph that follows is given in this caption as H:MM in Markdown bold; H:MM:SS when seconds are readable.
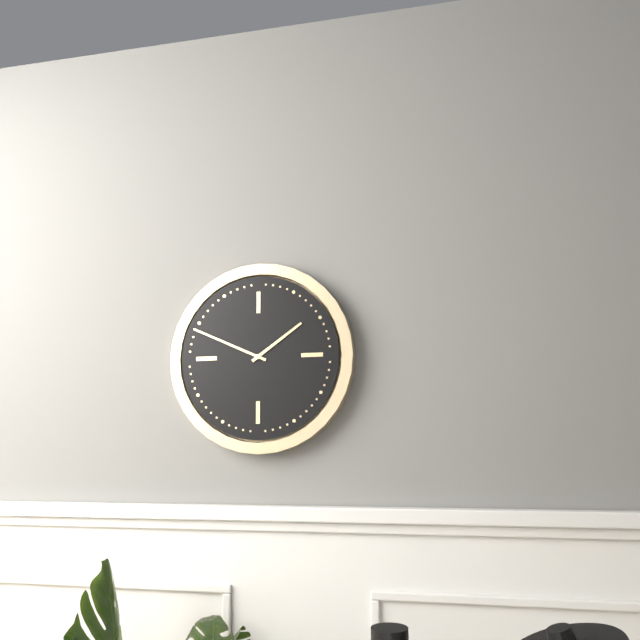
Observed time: **1:49**
